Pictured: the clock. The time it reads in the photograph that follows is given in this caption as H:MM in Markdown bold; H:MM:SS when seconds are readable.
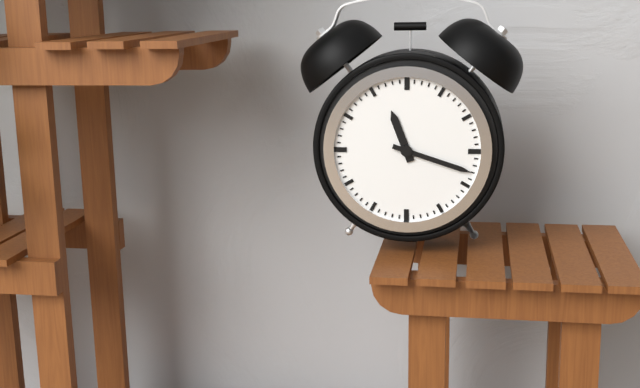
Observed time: **11:18**
